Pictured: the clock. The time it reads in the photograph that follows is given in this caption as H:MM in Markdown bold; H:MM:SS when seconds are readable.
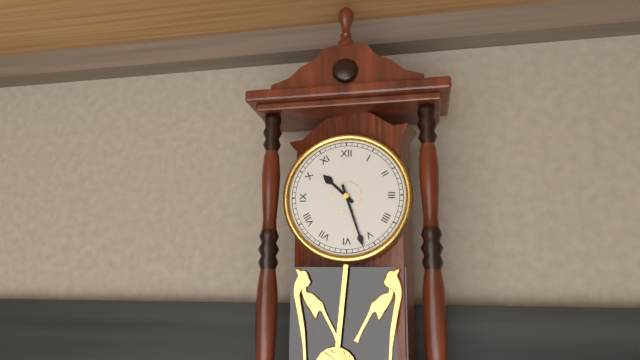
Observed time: **10:27**
